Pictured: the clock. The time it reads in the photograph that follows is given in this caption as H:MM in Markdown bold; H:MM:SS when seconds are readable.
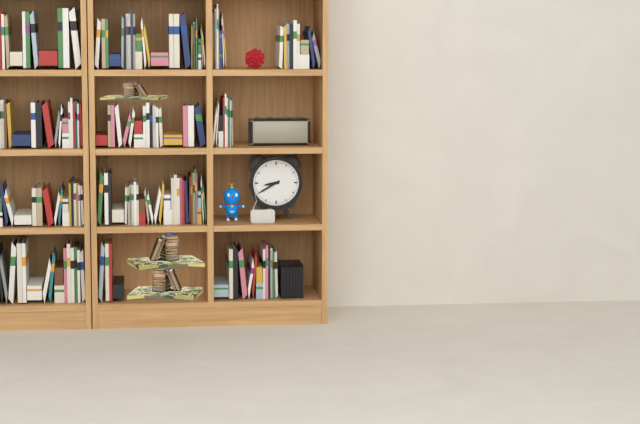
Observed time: **8:40**
